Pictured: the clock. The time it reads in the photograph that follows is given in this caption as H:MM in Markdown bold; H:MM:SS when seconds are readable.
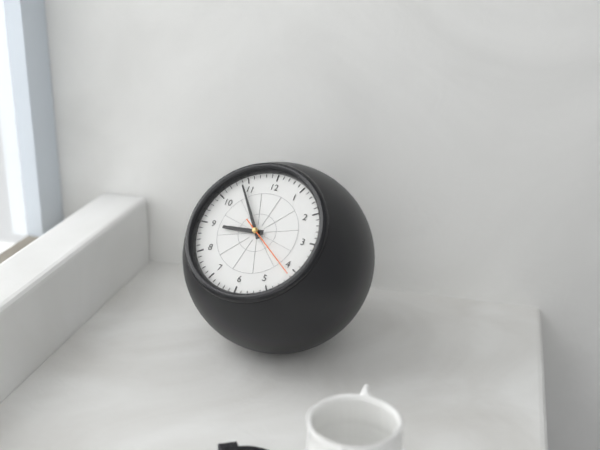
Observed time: **8:54:21**
